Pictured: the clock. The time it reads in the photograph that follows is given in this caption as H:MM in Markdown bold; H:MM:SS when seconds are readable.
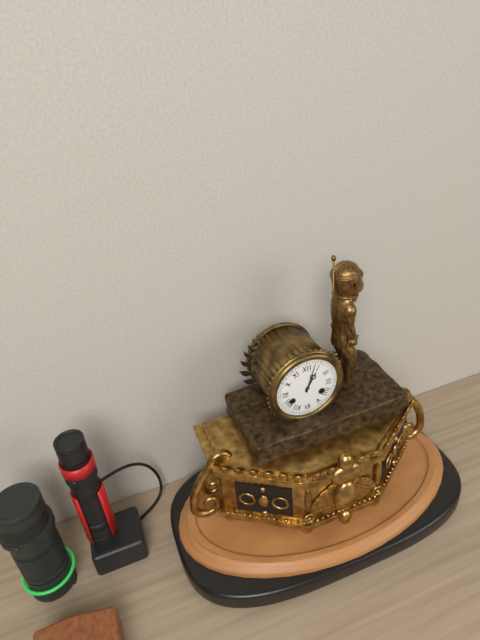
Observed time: **1:03**
